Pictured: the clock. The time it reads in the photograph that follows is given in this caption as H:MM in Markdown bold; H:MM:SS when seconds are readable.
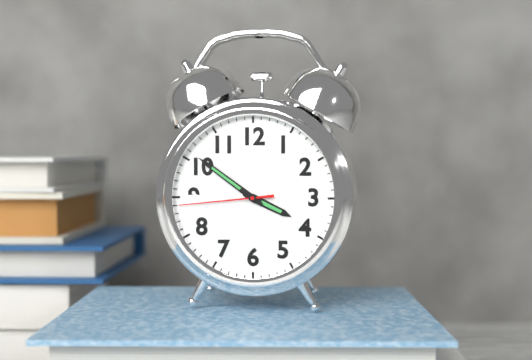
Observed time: **3:51:44**
